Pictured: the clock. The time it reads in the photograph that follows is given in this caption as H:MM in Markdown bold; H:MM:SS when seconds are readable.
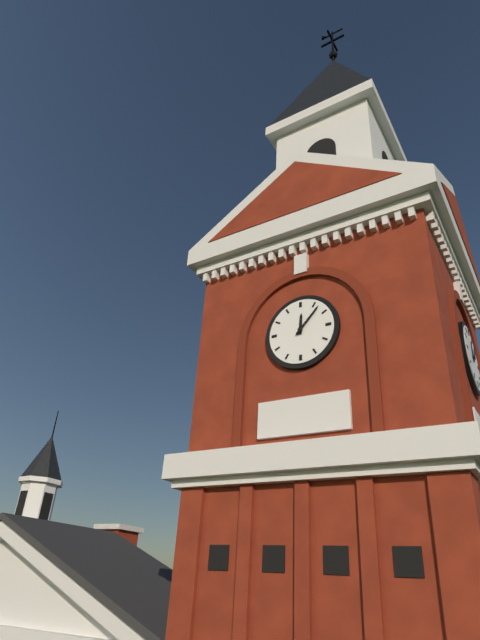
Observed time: **12:07**
